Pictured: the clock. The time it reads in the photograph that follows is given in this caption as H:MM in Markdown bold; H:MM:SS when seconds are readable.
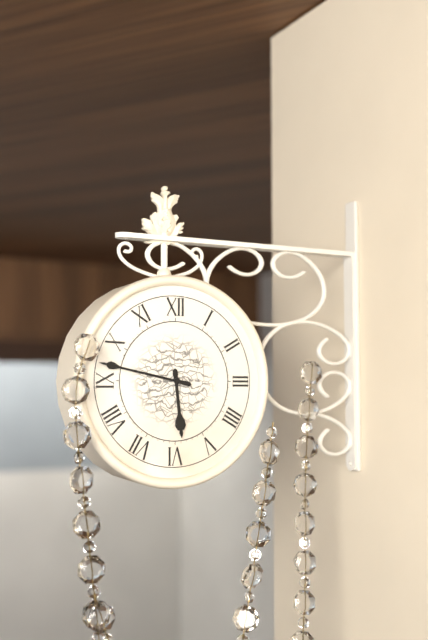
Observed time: **5:47**
